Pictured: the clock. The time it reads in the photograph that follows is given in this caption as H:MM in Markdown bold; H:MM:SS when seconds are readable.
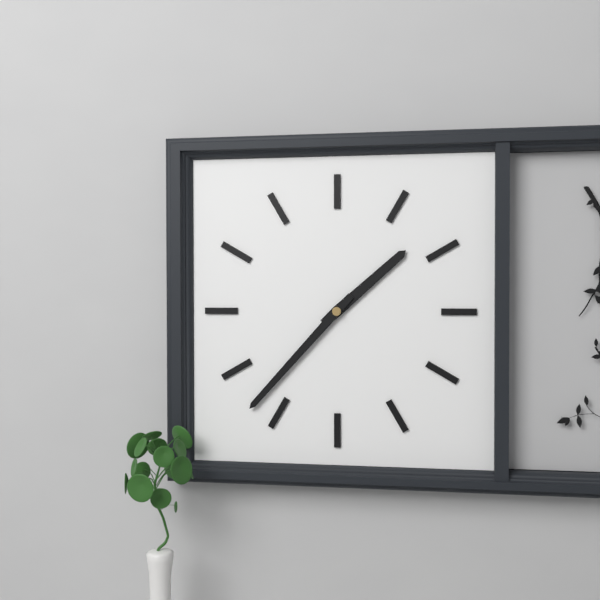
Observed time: **1:37**
